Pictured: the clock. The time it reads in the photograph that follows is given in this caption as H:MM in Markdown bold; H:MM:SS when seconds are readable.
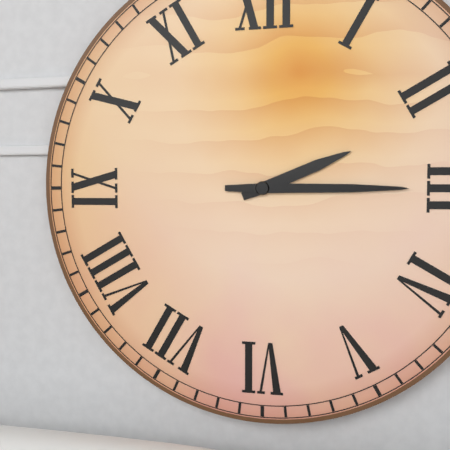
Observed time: **2:15**
